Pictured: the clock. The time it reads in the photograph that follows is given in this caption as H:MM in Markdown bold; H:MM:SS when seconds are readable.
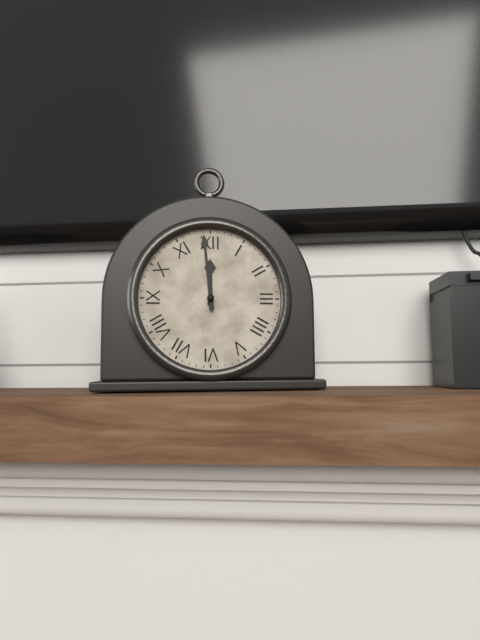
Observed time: **11:59**
